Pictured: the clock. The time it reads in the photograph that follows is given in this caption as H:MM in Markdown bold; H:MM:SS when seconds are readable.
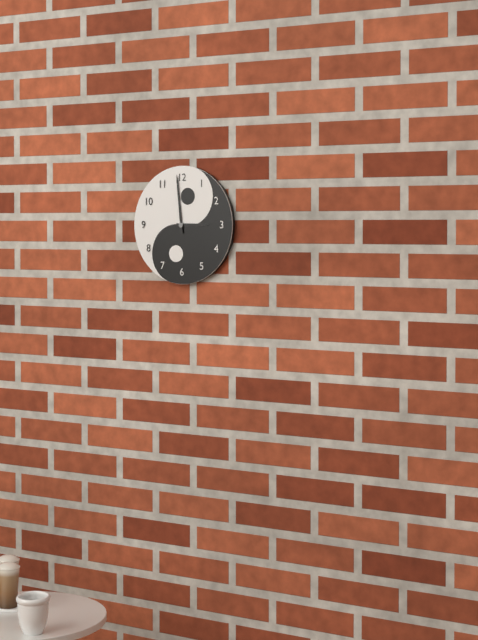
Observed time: **2:59**
